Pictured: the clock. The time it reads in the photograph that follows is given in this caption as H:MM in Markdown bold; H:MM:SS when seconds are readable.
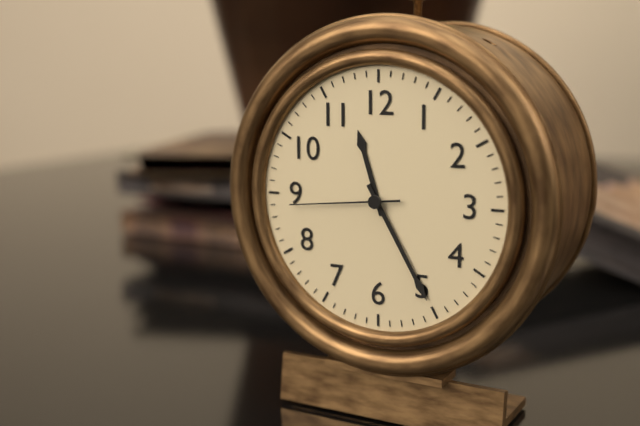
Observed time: **11:25:44**
